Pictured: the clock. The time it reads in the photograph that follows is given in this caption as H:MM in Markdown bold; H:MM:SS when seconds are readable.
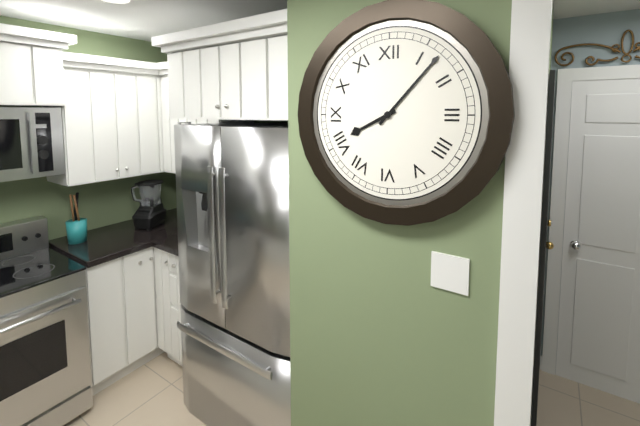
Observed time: **8:07**
